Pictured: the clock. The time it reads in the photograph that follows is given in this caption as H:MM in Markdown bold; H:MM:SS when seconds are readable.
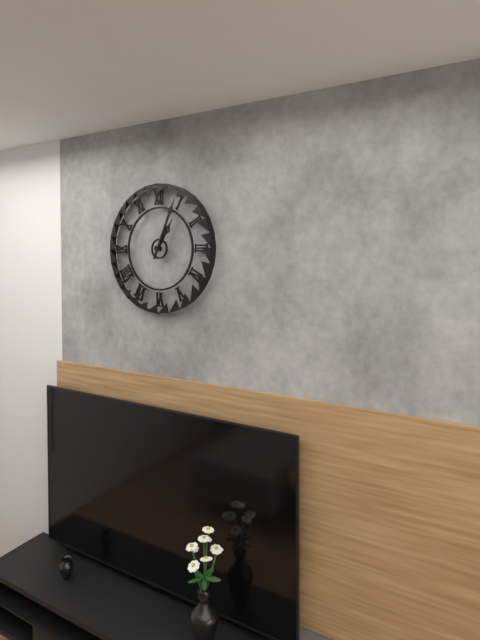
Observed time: **1:04**
